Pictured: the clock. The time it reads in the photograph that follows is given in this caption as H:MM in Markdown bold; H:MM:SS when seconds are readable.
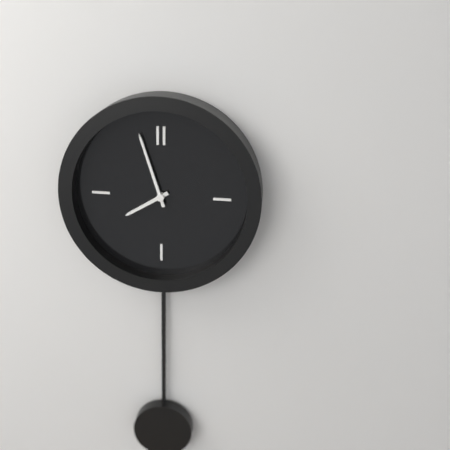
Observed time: **7:57**
